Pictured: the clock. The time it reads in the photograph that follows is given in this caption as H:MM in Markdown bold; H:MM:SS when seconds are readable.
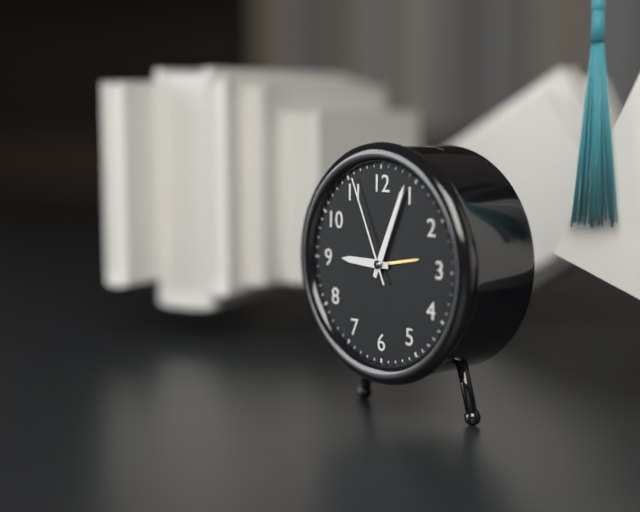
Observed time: **9:04:56**
